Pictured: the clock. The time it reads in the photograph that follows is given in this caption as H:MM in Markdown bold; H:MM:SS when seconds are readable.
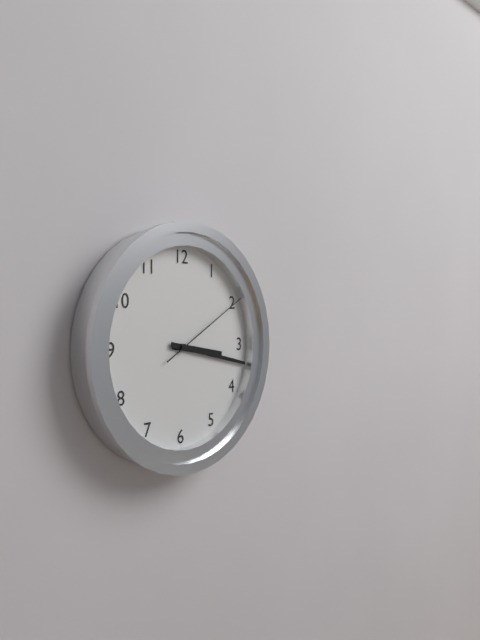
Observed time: **3:17:10**
